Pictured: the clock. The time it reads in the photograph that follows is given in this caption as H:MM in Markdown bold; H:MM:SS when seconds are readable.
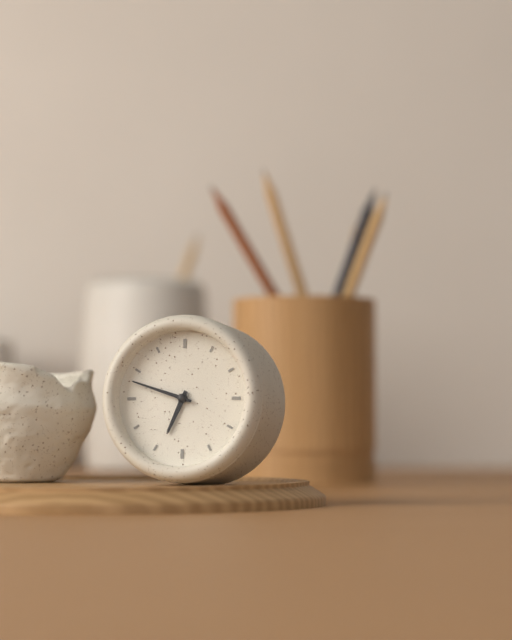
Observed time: **6:48**
